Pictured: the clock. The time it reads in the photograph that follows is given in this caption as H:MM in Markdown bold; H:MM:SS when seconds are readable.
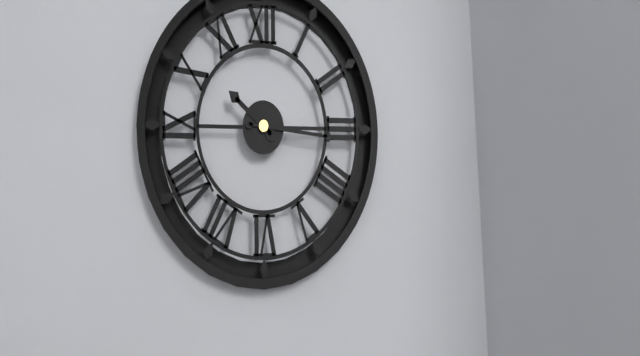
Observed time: **10:16**
